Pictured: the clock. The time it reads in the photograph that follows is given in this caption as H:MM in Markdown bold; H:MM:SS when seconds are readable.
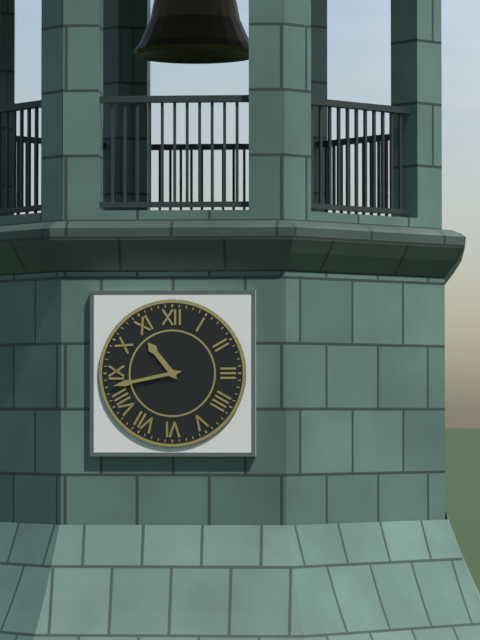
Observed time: **10:43**
